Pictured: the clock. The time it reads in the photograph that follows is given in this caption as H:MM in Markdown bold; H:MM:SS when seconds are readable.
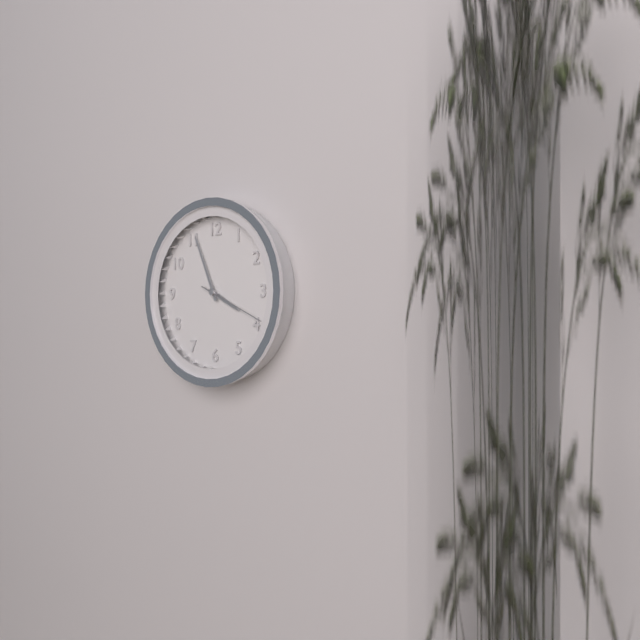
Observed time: **3:56:19**
